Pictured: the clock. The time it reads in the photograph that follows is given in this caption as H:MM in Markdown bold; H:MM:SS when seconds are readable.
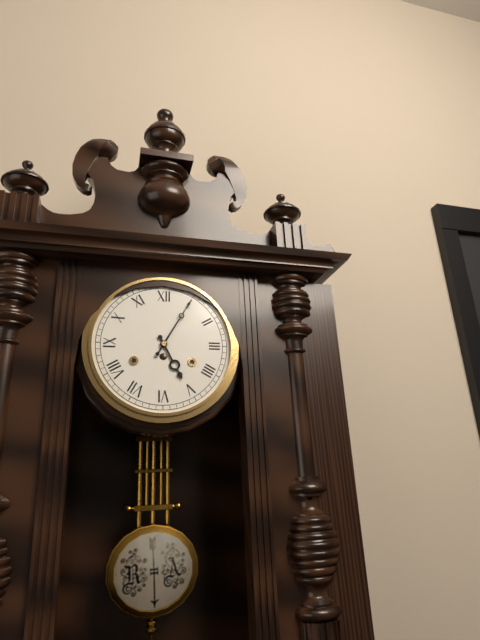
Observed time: **5:05**
